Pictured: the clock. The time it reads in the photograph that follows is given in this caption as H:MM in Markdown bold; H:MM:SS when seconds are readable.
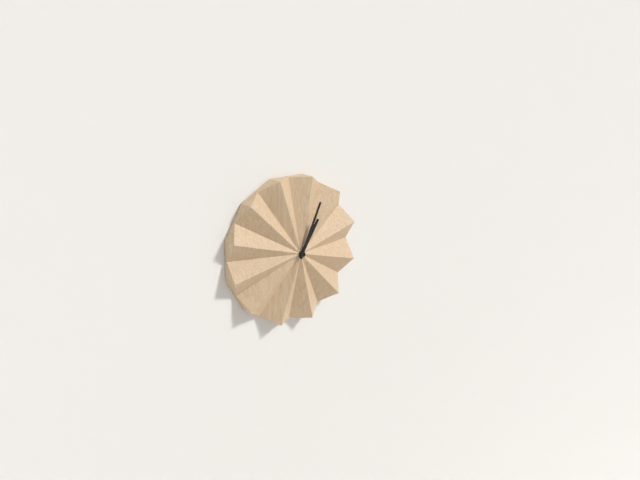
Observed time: **1:04**
